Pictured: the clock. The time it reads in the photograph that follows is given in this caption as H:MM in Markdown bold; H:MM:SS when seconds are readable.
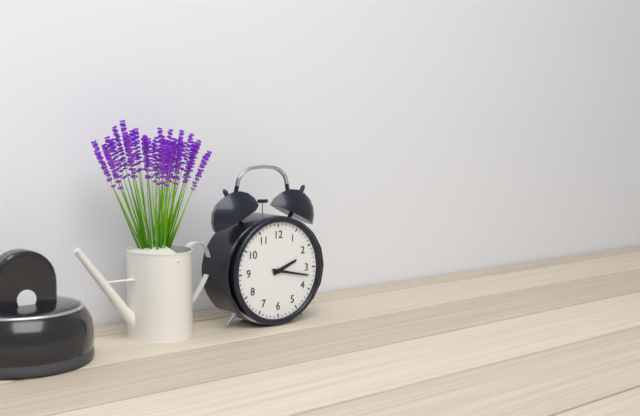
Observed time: **2:17**
